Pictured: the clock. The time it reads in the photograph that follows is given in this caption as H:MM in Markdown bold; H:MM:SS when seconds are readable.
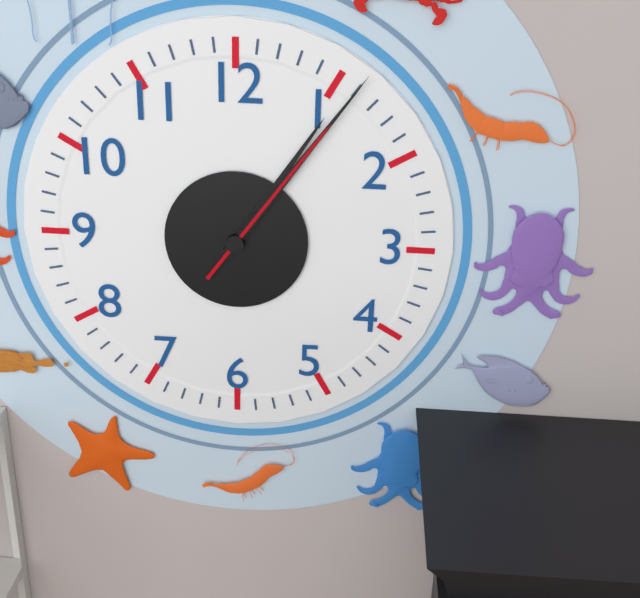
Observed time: **1:06:06**
